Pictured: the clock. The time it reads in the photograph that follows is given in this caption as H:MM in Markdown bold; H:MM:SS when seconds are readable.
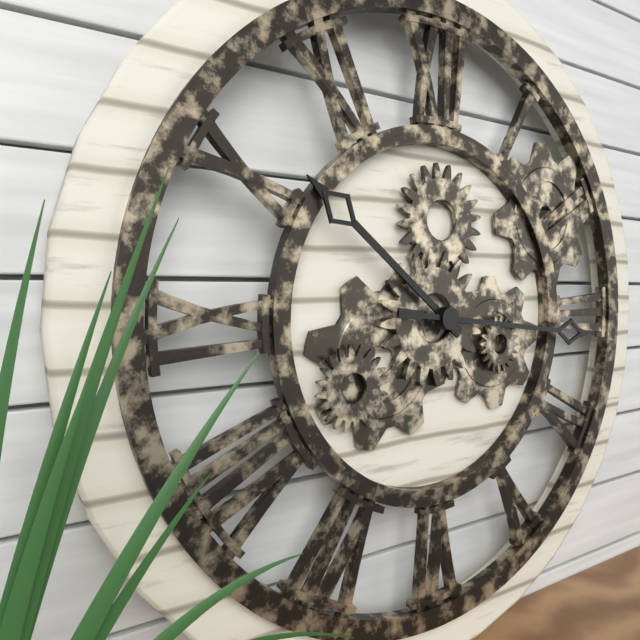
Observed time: **10:16**
